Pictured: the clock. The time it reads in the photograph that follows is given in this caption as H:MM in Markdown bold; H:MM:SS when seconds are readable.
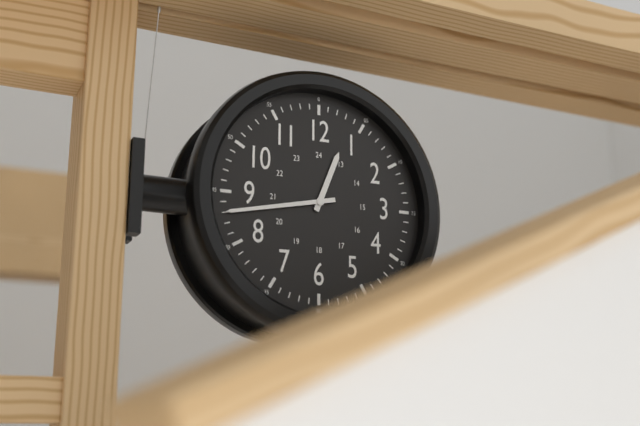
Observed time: **12:43**
